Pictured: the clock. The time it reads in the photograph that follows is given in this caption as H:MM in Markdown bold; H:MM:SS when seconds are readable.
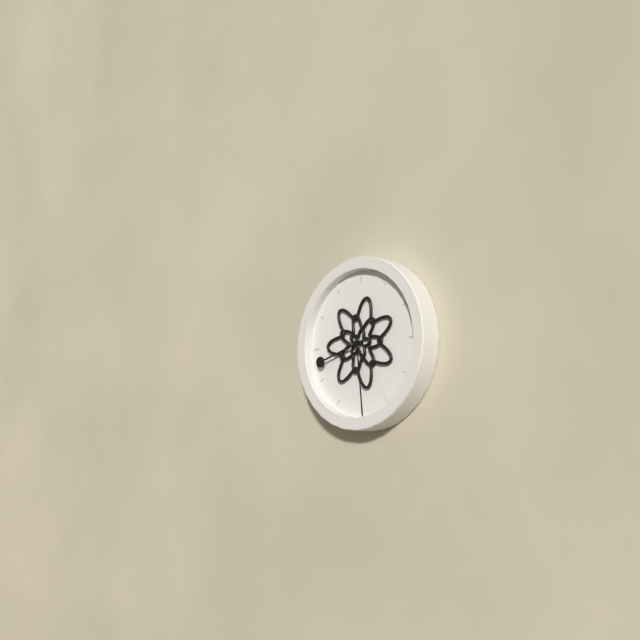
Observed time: **8:29**
